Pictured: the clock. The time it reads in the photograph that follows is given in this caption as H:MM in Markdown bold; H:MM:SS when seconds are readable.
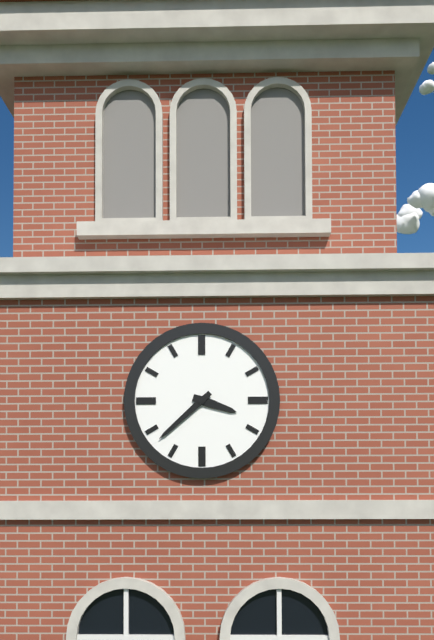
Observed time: **3:38**
